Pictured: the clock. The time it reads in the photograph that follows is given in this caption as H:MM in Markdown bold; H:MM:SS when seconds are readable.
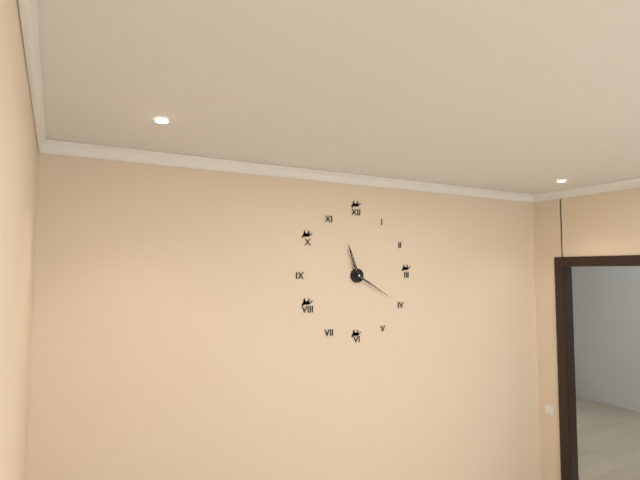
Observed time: **11:20**
